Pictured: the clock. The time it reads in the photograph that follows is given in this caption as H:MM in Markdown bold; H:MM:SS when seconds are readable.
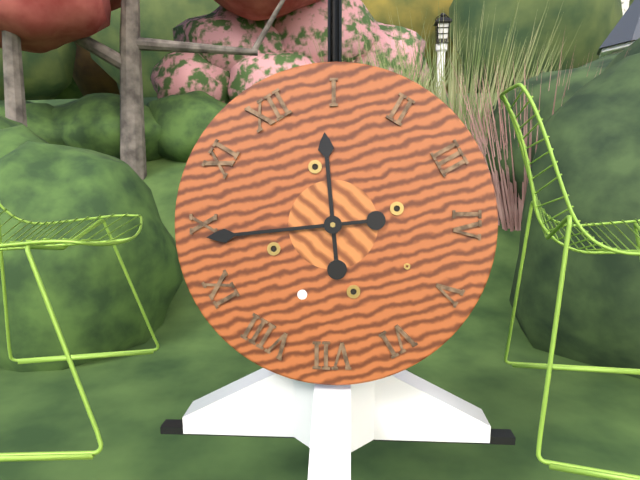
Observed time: **12:49**
